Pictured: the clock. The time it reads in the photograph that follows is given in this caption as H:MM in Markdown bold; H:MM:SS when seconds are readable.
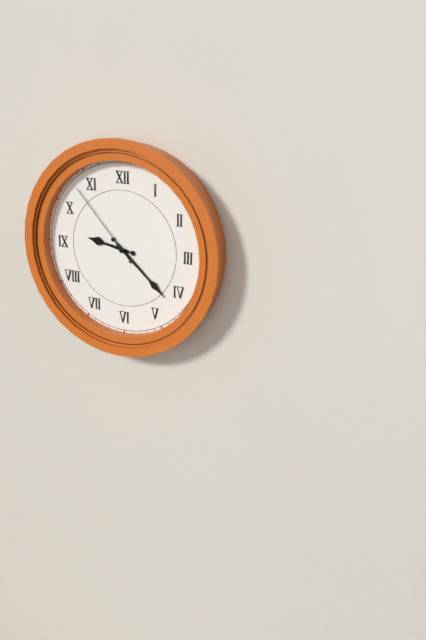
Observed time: **9:22:53**
